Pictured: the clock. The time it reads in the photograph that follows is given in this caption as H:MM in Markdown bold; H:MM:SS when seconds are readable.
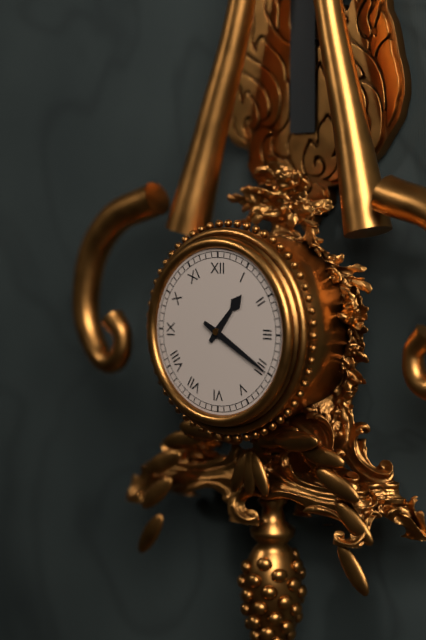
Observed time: **1:20**
